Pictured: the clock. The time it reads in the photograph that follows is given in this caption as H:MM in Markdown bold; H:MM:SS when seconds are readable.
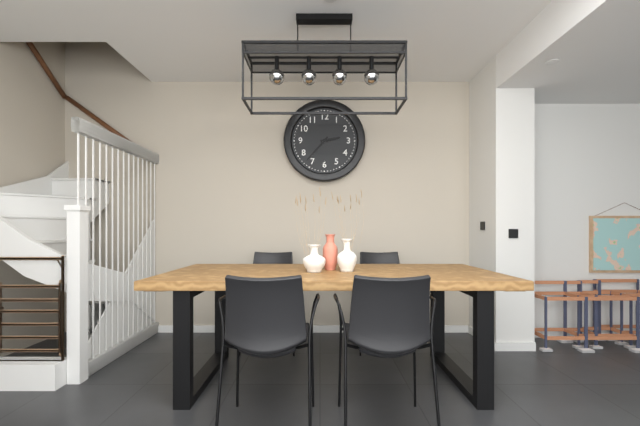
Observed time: **2:37**
